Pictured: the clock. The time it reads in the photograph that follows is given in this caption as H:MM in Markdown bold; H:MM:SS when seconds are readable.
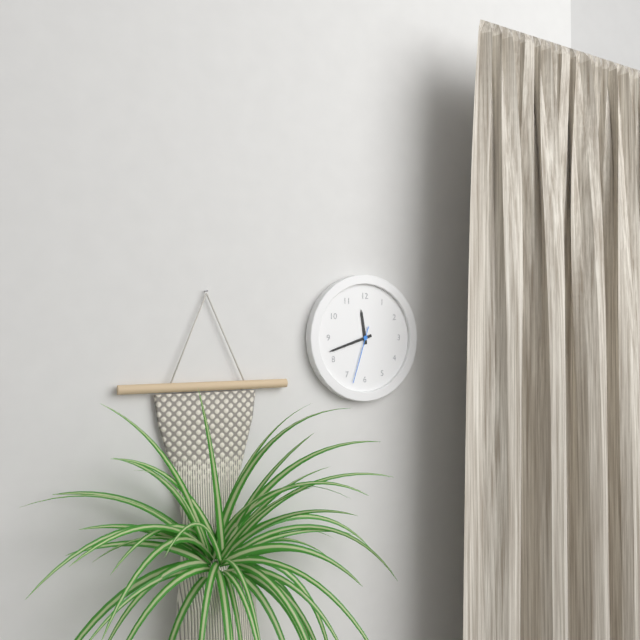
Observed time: **11:42:33**
